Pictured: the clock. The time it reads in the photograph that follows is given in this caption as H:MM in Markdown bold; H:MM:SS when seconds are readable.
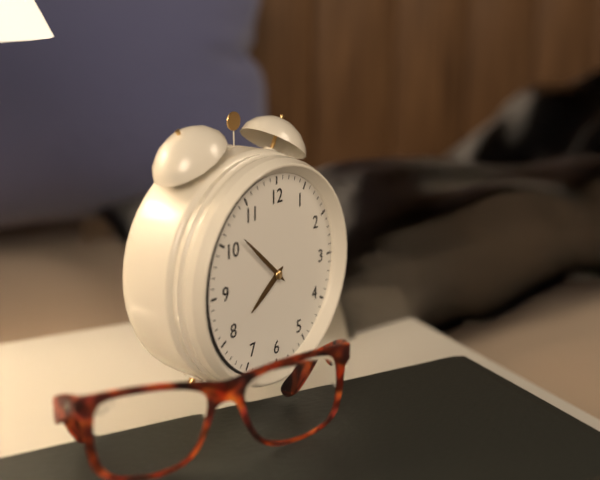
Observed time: **7:52**
